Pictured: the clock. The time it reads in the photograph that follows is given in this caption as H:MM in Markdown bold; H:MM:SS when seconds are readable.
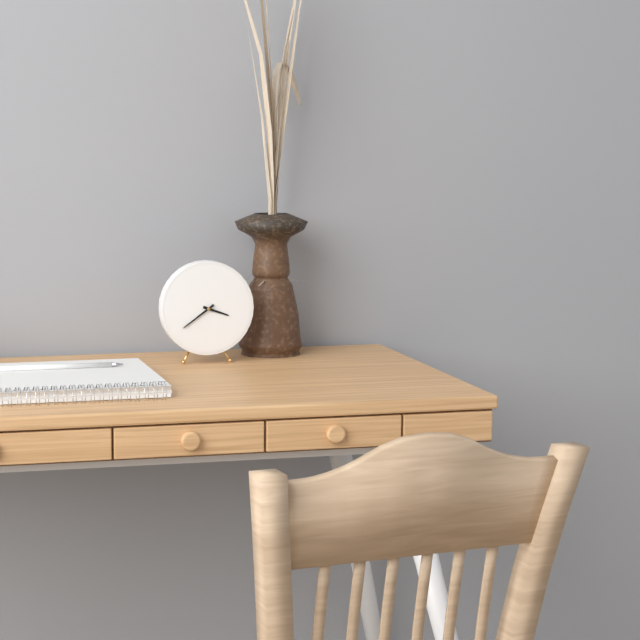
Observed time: **3:39**
